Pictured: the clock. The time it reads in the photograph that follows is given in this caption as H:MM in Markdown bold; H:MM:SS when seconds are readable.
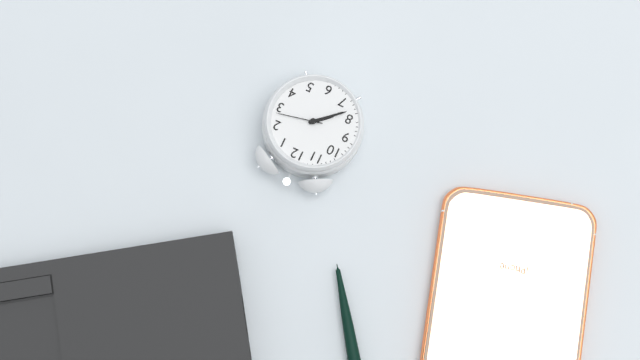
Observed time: **7:38**
